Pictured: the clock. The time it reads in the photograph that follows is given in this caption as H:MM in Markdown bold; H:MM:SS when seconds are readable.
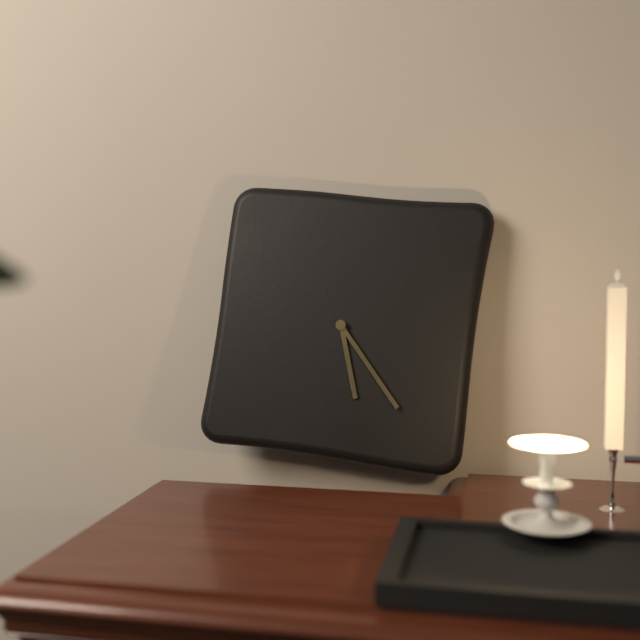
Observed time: **5:23**
